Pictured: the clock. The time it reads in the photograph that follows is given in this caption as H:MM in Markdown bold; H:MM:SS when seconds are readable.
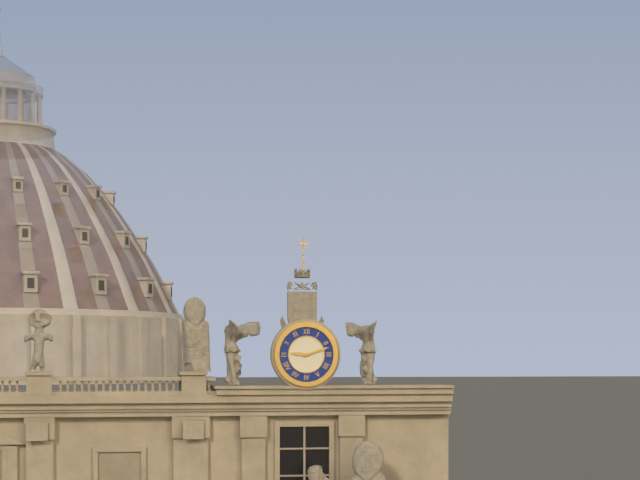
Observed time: **9:12**
